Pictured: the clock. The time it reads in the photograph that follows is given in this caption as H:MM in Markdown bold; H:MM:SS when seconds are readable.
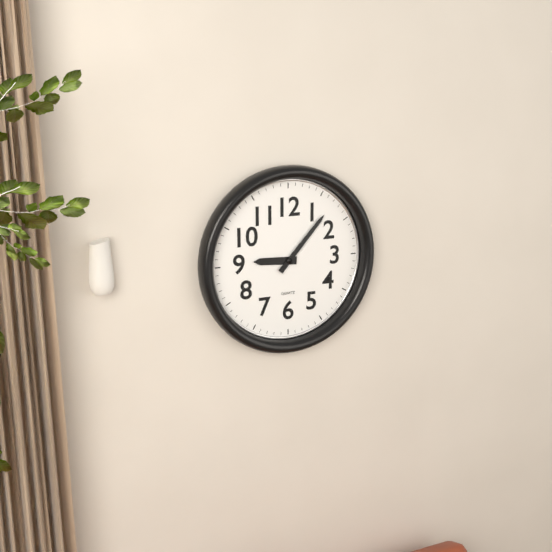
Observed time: **9:07**
